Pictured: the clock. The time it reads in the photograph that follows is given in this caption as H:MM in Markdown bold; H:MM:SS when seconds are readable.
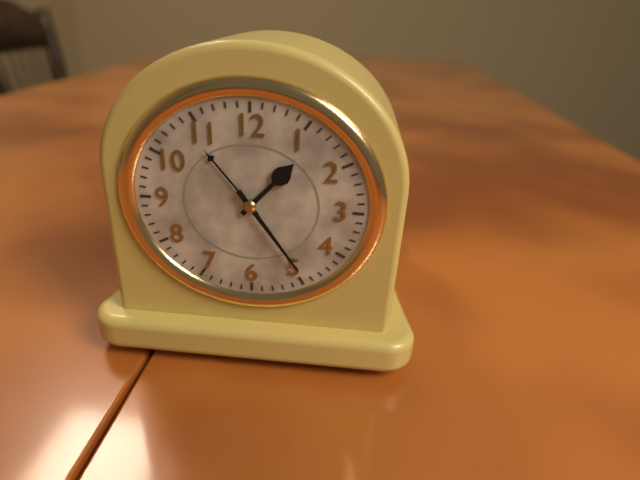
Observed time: **1:24**
